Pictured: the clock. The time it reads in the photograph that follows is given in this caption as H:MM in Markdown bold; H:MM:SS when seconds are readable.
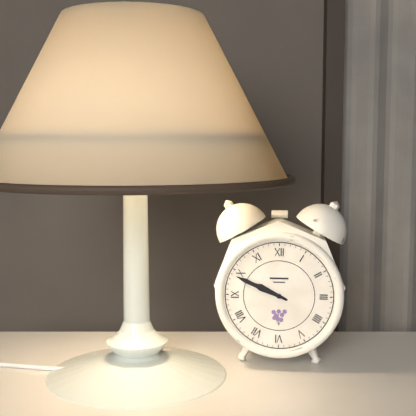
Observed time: **9:49**
